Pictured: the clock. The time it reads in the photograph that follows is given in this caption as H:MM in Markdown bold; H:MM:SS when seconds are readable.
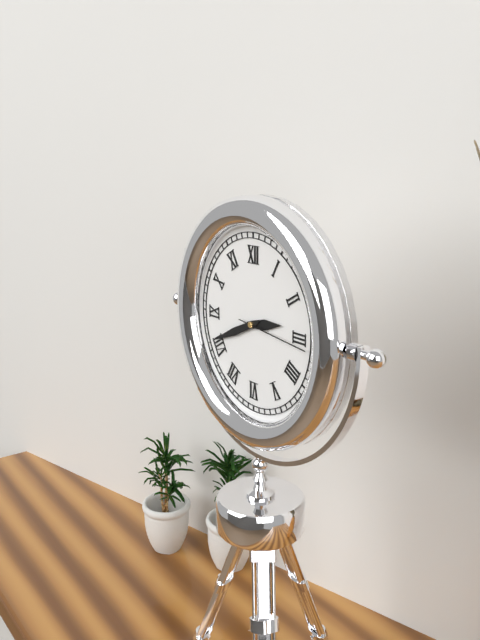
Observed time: **2:41:16**
